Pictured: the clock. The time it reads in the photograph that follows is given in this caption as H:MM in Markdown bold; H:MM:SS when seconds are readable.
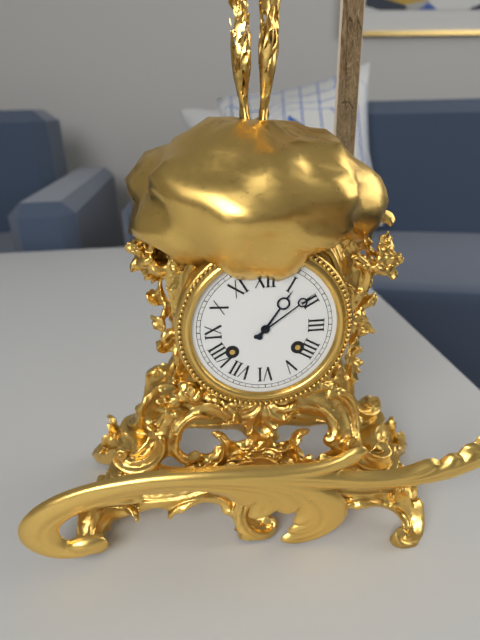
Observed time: **1:09**
